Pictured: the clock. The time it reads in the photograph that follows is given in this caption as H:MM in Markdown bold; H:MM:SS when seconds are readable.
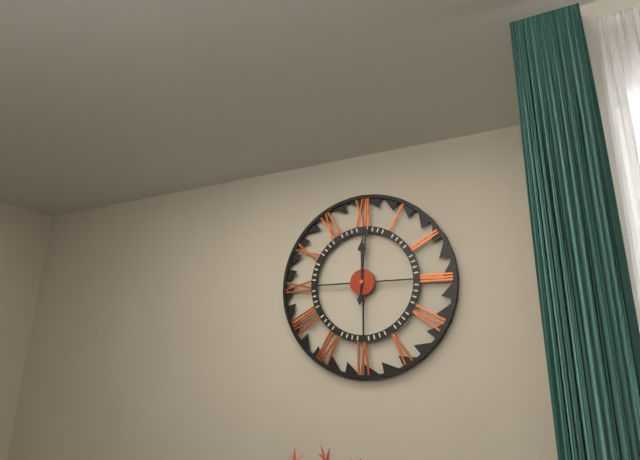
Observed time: **12:01**
